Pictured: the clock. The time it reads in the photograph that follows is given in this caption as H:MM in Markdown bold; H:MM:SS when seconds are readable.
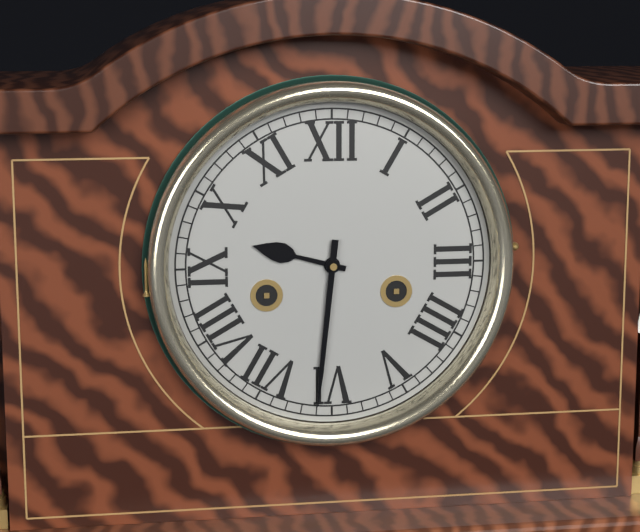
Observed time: **9:31**
